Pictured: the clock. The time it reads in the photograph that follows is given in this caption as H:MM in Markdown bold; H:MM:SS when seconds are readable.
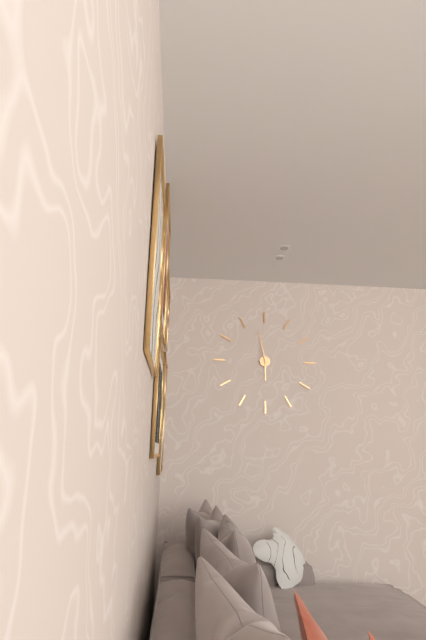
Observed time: **5:58**
